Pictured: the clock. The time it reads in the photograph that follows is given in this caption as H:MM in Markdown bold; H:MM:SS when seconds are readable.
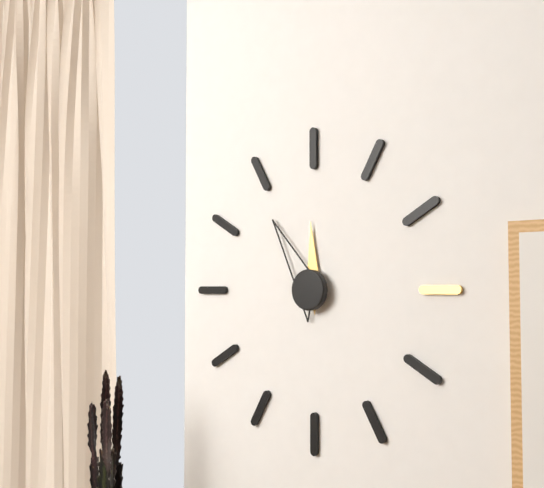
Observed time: **11:54**
